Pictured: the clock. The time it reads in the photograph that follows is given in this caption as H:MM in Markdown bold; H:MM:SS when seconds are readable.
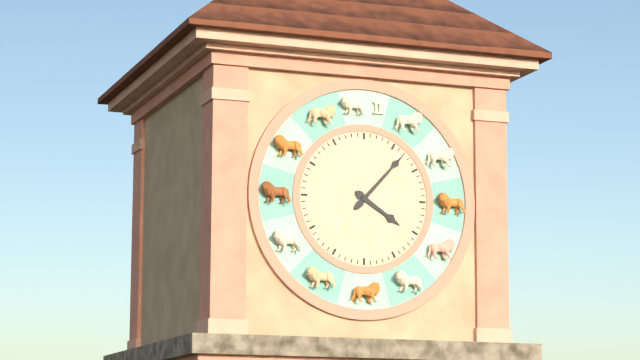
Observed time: **4:07**
